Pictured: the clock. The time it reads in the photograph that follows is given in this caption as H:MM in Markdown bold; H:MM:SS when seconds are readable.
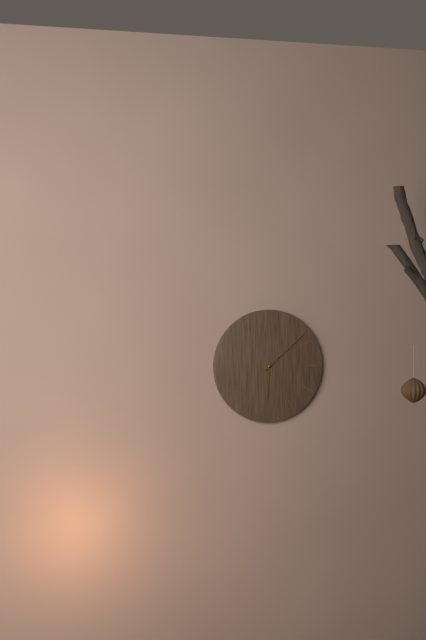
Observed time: **6:08**
